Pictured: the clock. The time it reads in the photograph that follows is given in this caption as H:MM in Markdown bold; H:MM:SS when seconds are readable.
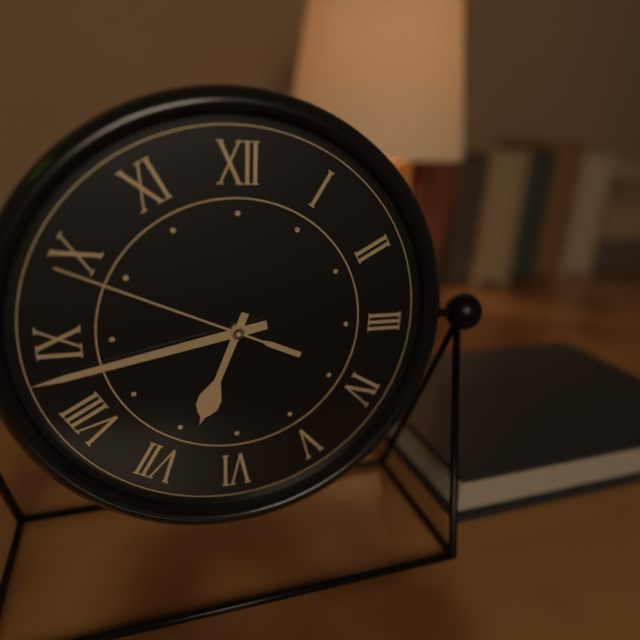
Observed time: **6:43:49**
